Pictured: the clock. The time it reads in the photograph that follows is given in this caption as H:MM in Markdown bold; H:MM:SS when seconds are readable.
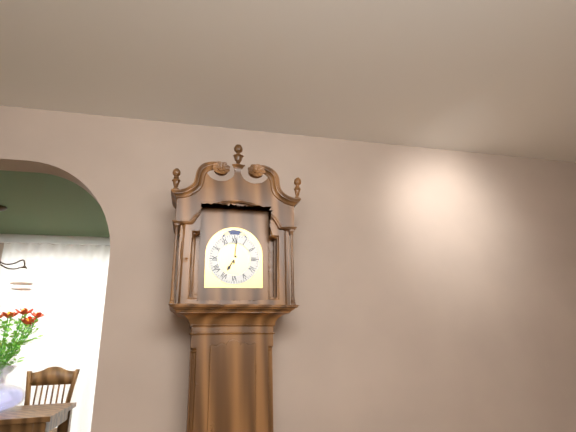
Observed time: **7:01**
